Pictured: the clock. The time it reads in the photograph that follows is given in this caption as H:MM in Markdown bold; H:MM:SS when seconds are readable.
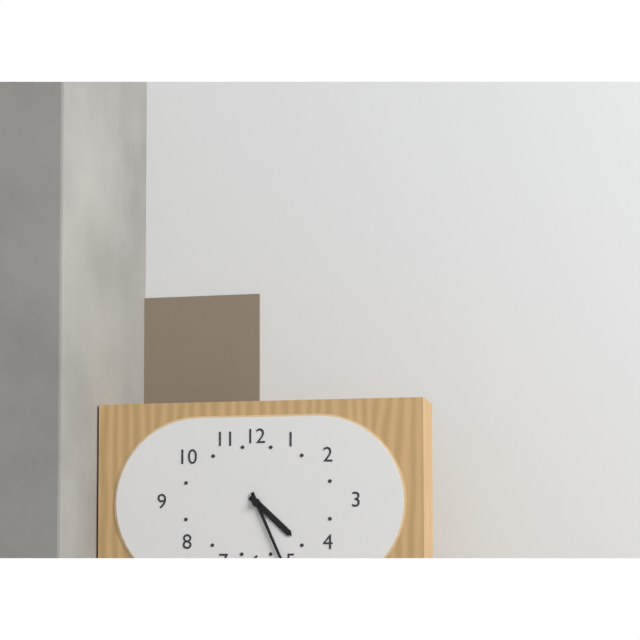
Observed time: **4:26**
